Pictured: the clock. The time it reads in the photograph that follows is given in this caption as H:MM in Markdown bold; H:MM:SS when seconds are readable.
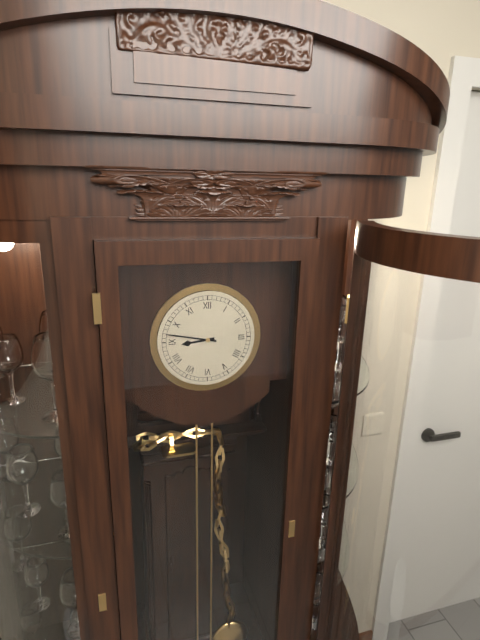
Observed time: **8:47**
